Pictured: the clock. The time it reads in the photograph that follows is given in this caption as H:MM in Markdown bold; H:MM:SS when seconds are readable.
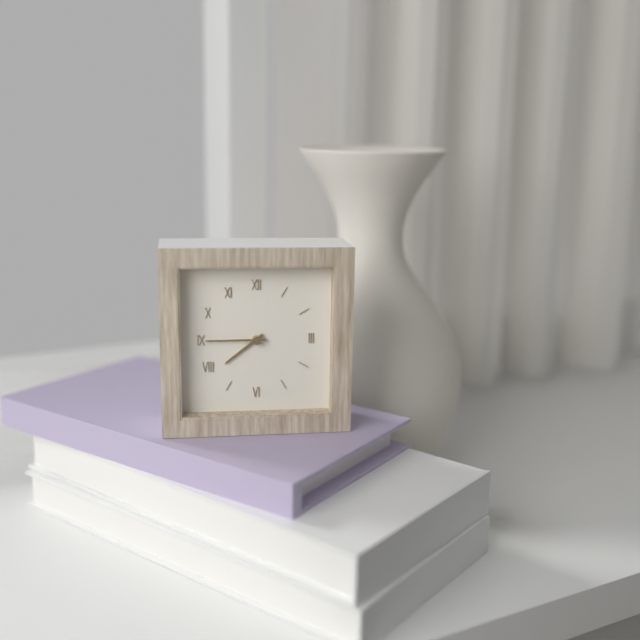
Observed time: **7:45**
